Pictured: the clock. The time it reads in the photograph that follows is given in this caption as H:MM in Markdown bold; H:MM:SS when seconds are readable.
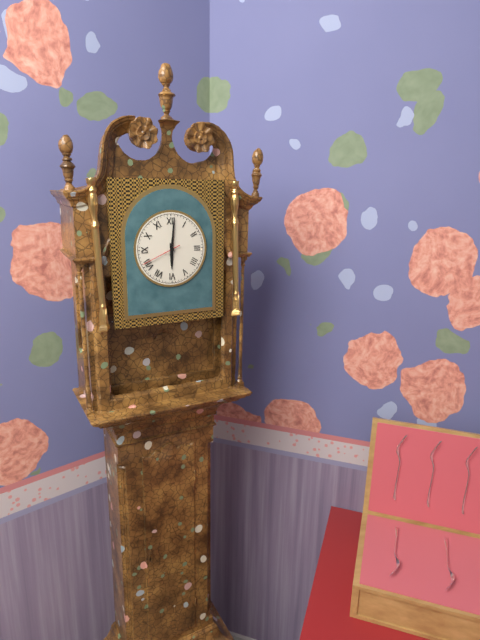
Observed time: **6:01**
